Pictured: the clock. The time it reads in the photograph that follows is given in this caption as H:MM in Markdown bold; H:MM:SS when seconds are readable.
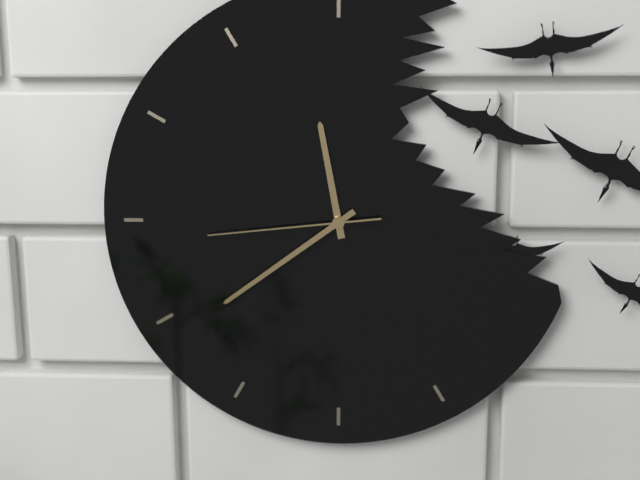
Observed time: **11:39:44**
